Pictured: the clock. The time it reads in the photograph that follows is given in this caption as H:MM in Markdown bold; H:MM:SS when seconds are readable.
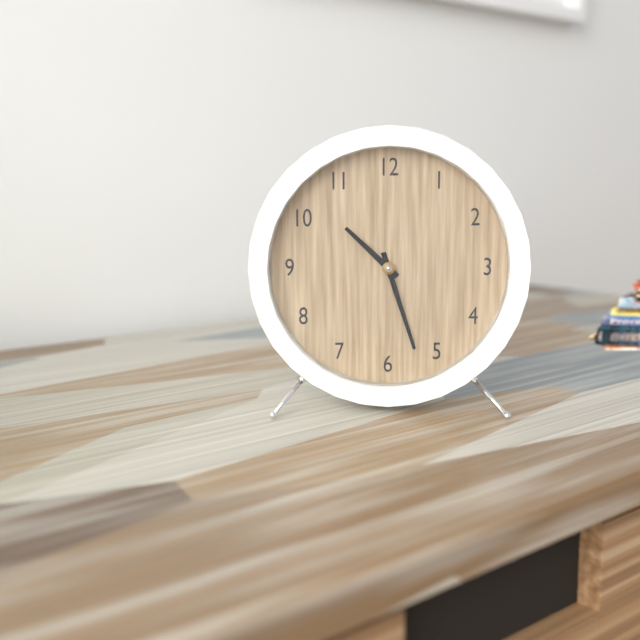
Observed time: **10:27**
